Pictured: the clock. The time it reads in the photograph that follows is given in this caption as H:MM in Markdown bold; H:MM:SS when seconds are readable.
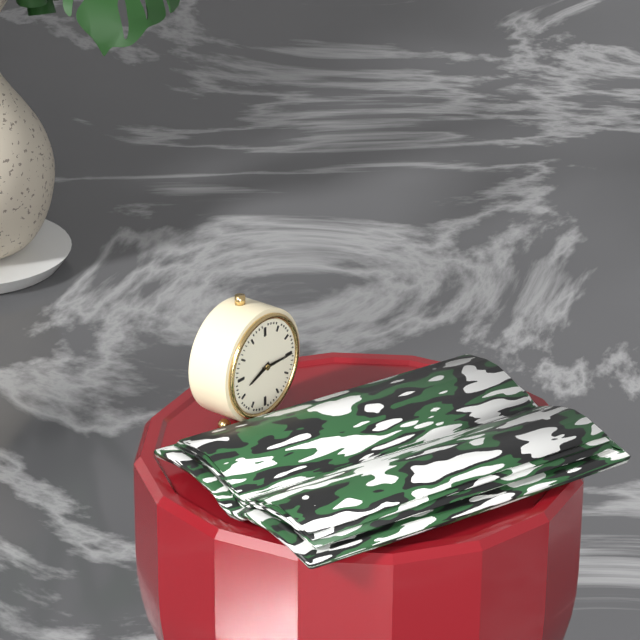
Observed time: **8:15**
